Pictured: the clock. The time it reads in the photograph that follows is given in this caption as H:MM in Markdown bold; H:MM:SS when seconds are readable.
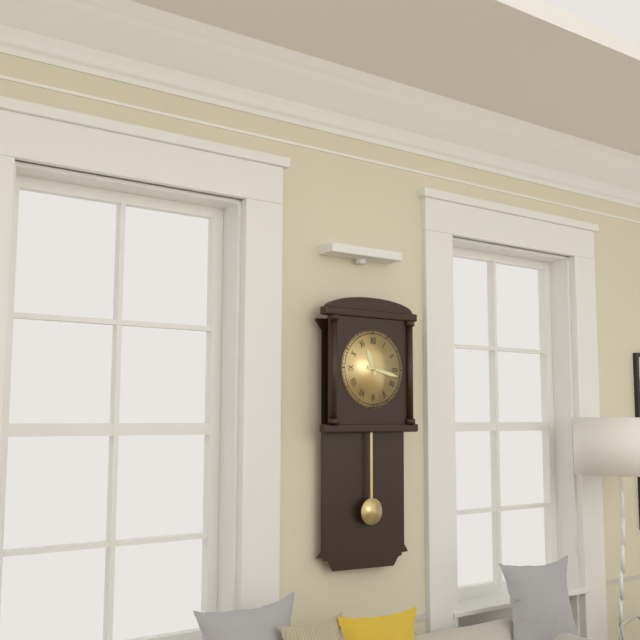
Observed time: **11:17**
